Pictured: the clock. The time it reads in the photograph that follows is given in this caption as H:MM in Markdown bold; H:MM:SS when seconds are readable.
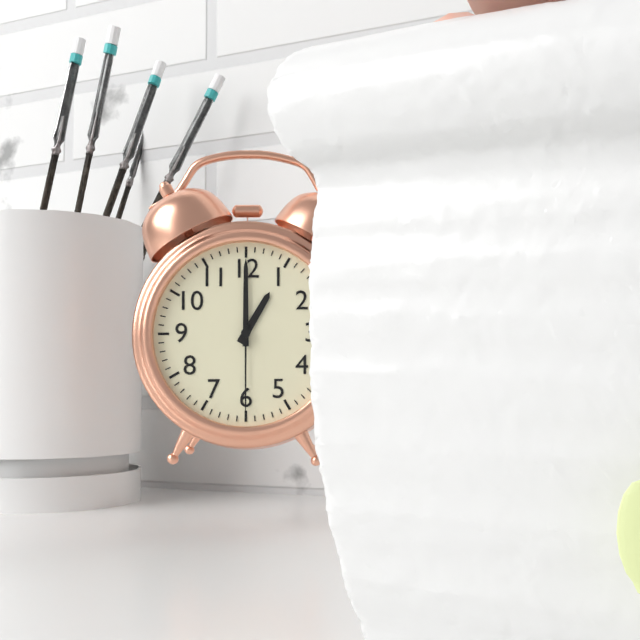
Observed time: **1:00:30**
